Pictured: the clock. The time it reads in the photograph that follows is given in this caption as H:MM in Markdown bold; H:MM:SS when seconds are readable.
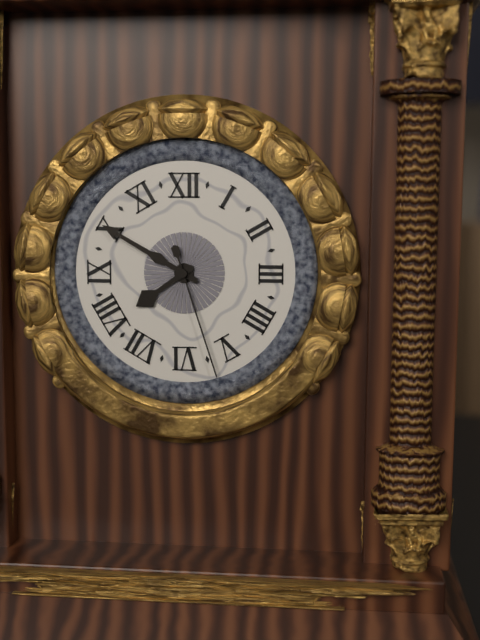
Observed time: **7:50:27**
